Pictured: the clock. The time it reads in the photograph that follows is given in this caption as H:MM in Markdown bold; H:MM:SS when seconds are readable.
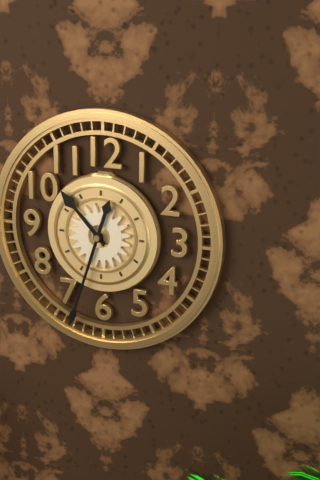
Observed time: **10:33**
